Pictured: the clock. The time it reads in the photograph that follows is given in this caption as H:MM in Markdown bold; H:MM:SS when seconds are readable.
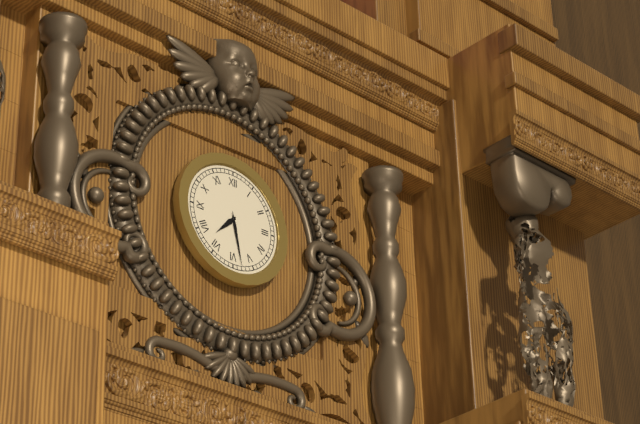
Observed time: **7:28**
